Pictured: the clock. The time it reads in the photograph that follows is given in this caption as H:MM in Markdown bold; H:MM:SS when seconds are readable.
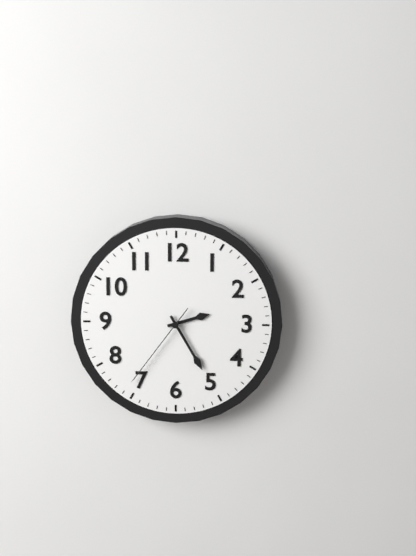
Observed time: **2:25:36**
